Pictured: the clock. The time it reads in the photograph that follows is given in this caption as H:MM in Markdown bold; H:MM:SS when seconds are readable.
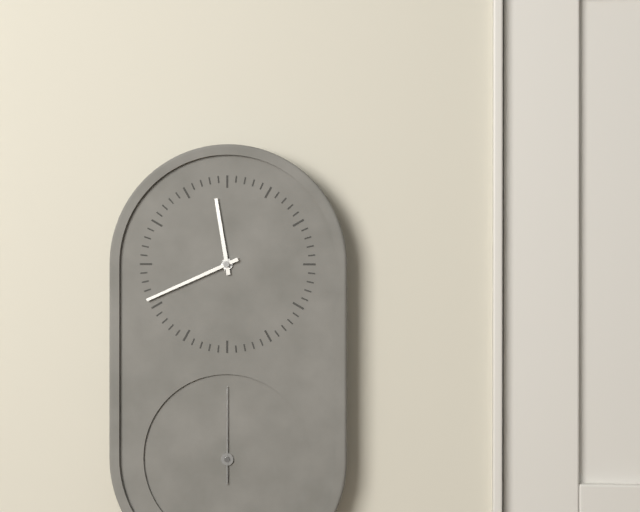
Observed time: **11:41:00**
